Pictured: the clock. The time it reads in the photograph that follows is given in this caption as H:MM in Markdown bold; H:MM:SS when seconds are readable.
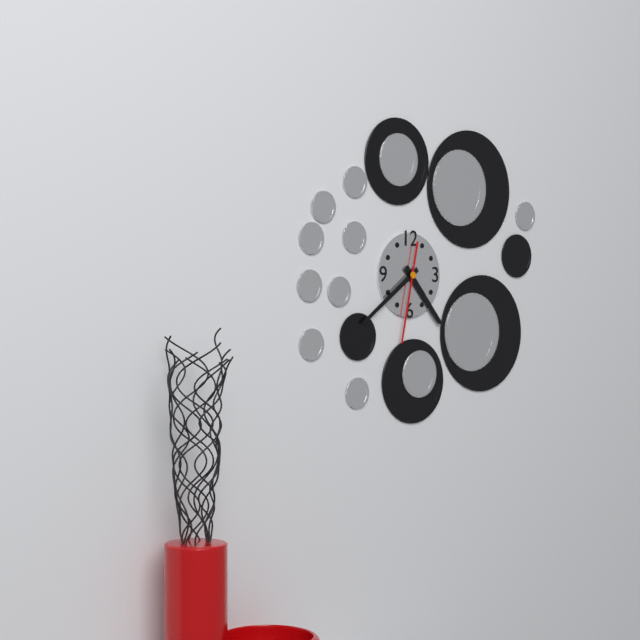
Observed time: **4:39:32**
